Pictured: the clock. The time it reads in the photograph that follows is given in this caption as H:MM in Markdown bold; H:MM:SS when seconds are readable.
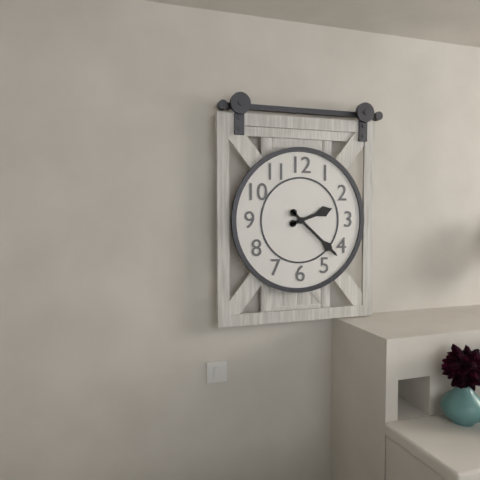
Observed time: **2:22**
